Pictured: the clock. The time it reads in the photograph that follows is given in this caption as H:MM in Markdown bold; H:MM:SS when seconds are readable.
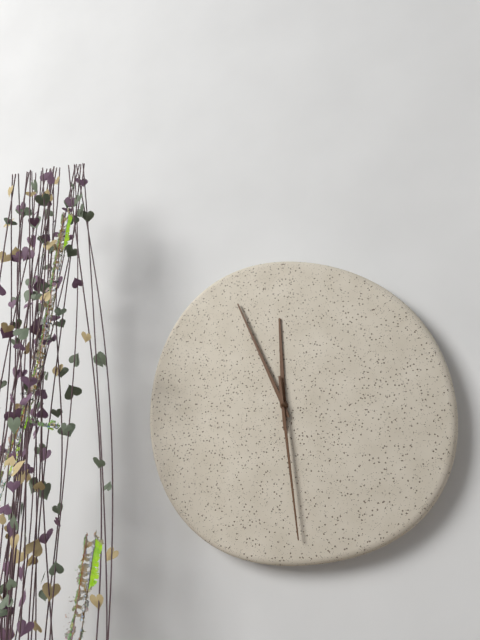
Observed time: **11:56:29**
